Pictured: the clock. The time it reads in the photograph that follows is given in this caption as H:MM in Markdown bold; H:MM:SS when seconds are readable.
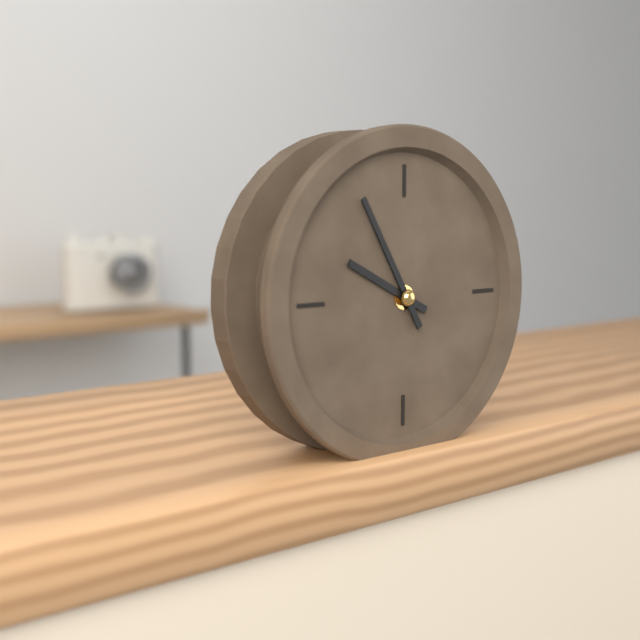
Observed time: **9:55**
